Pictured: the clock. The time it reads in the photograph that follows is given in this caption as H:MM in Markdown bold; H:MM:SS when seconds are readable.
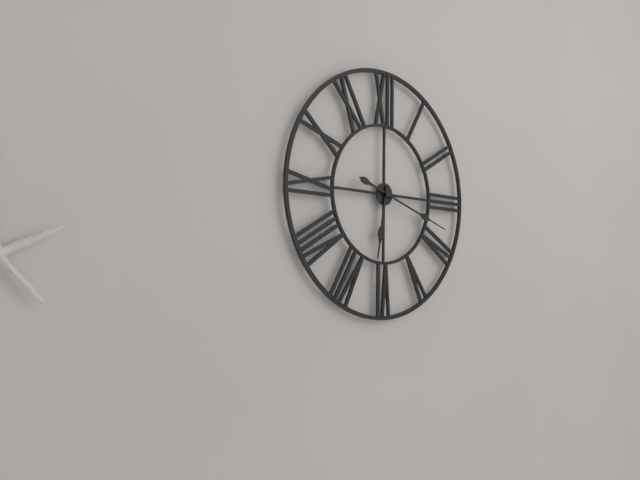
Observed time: **6:18**
